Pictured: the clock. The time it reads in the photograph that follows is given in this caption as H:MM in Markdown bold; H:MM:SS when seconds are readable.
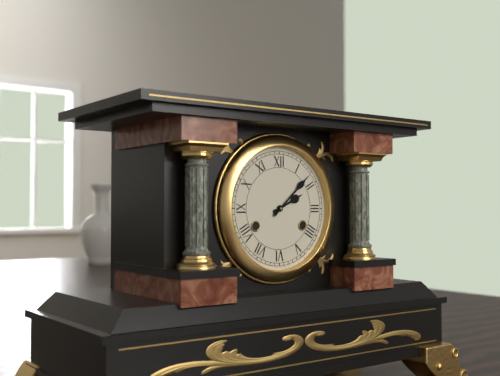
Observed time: **2:08**
